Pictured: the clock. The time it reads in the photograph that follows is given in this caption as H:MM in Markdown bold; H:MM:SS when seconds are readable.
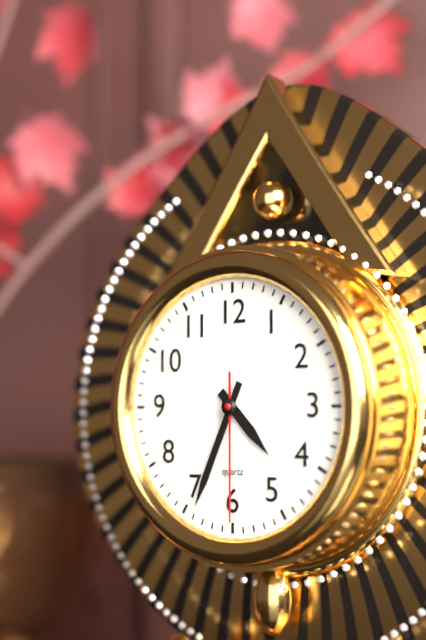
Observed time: **4:34:30**
